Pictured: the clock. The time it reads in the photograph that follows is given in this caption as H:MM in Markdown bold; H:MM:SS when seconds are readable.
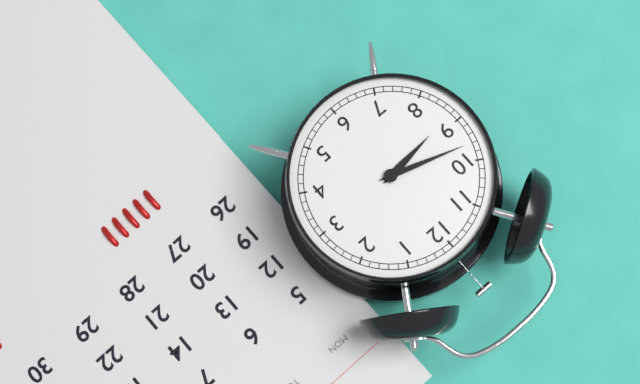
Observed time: **8:48**
